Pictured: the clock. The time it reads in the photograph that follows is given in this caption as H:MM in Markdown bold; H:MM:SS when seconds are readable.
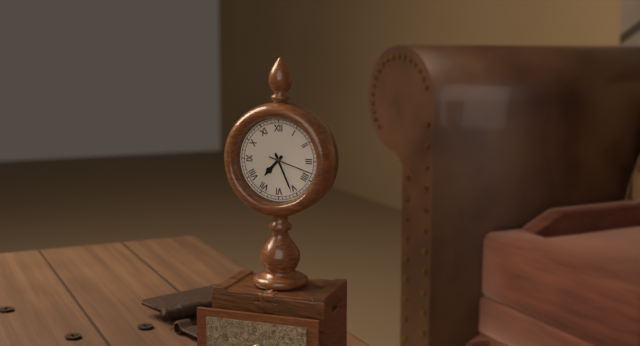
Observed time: **7:26**
